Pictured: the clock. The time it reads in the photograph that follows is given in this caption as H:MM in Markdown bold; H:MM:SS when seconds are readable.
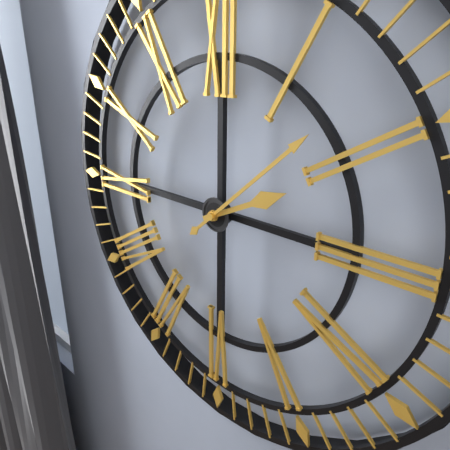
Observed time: **2:08**
